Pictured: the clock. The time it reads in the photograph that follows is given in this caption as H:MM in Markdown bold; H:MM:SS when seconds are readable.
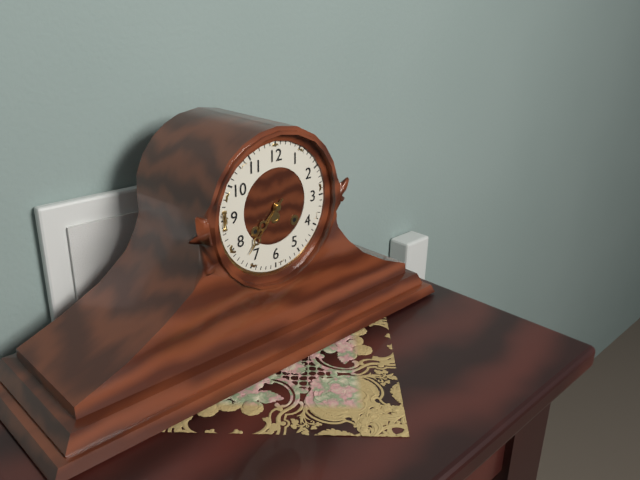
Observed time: **7:37**
